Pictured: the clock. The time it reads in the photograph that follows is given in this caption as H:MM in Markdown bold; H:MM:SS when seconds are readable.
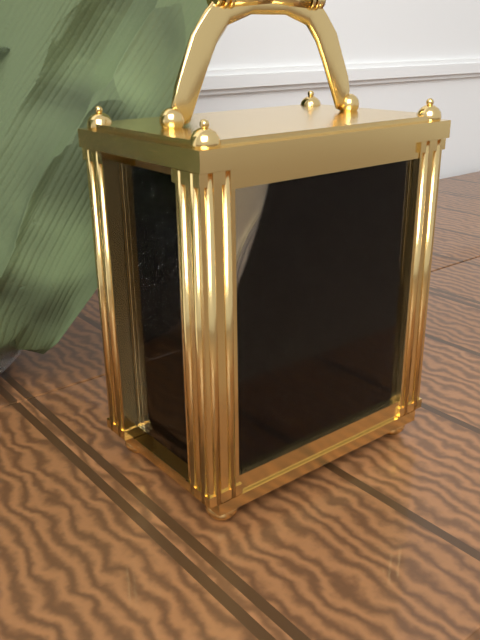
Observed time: **8:40**
